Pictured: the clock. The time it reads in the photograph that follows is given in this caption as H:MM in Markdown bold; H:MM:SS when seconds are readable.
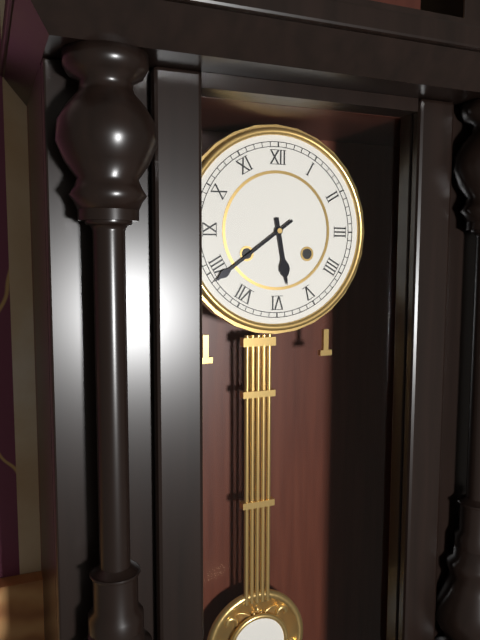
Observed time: **5:39**
